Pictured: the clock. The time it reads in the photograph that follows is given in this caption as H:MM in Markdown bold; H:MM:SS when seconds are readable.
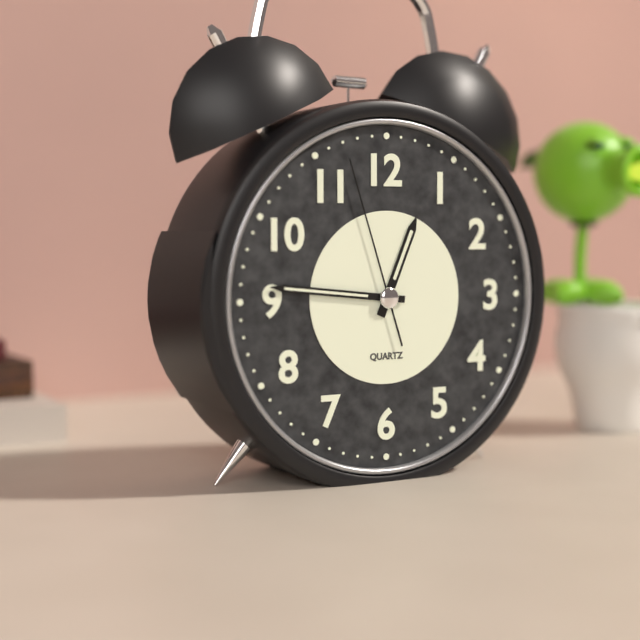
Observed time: **12:46:57**
